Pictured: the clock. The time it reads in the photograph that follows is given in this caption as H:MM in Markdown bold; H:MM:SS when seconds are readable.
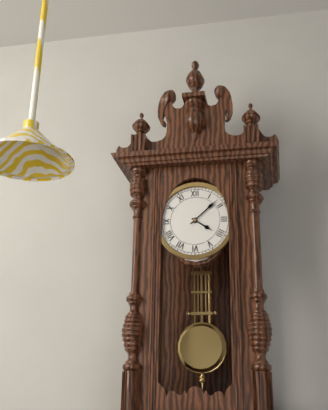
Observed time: **4:08**
